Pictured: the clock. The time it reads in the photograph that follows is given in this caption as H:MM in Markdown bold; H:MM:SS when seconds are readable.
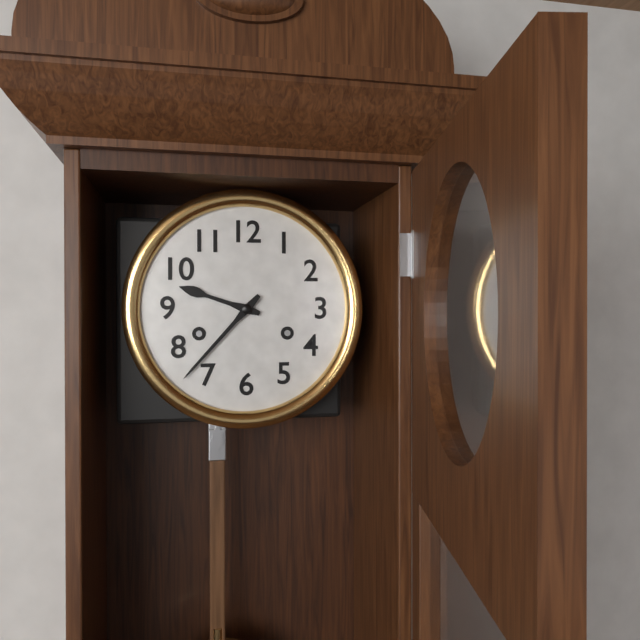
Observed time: **9:37**
